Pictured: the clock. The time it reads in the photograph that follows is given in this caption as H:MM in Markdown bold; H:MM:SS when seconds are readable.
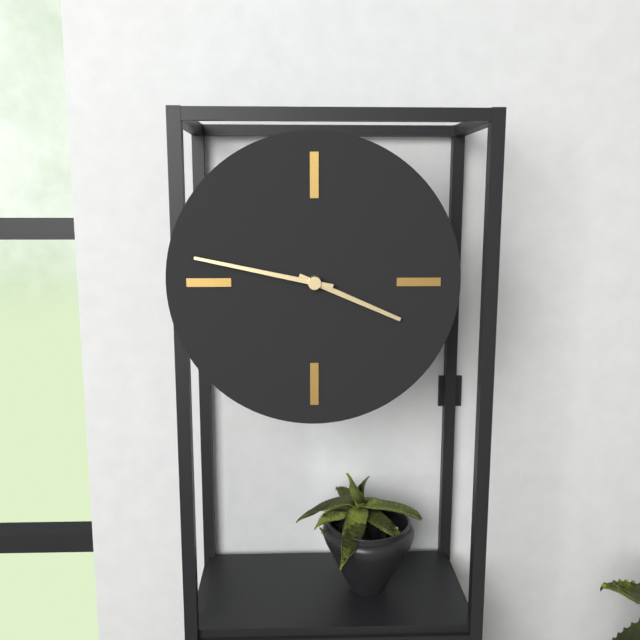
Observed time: **3:47**
